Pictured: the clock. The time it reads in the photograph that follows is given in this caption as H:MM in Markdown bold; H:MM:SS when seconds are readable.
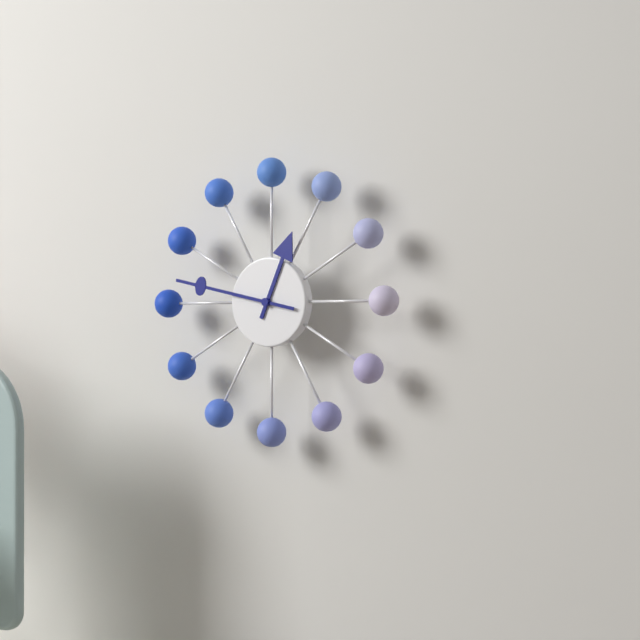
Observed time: **12:47**
